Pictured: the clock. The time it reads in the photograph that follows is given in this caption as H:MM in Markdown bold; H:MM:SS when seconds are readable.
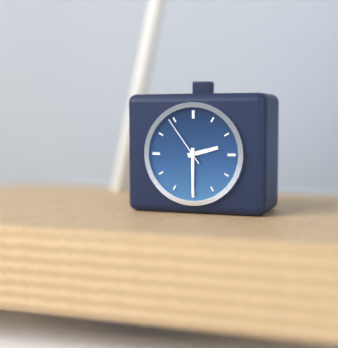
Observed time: **2:30:54**
